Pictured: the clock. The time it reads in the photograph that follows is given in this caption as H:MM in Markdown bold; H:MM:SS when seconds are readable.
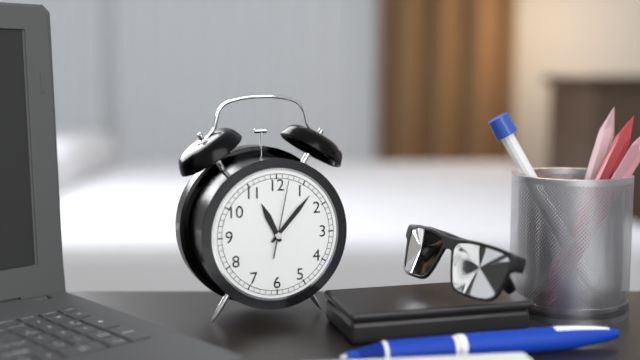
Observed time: **11:07:02**
